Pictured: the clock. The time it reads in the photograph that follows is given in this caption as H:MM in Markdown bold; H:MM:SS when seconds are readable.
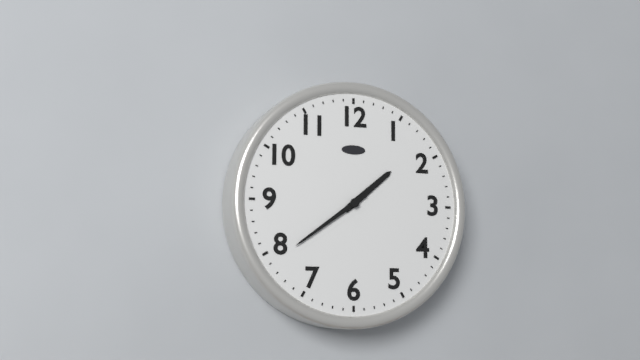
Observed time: **1:39**
